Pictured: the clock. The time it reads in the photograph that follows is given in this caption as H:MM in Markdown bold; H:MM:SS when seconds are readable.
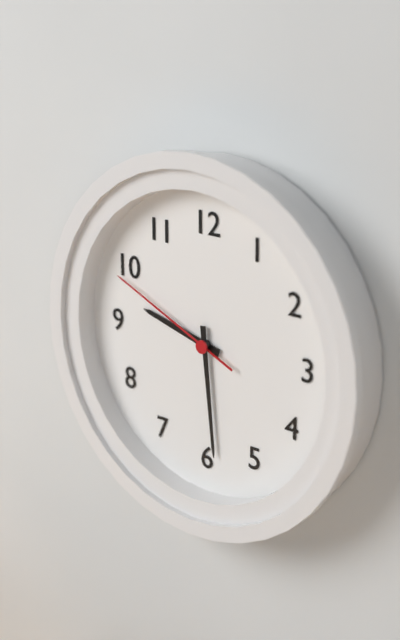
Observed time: **9:29:49**
